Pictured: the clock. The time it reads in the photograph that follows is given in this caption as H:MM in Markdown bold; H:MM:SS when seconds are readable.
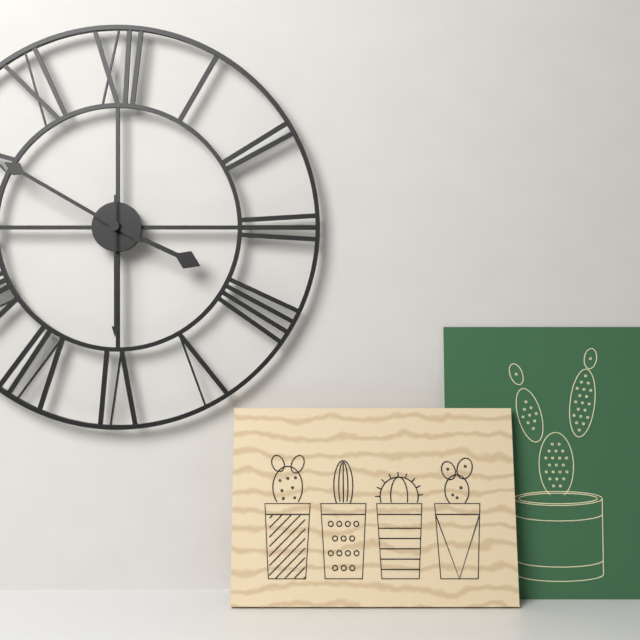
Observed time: **3:50:30**
